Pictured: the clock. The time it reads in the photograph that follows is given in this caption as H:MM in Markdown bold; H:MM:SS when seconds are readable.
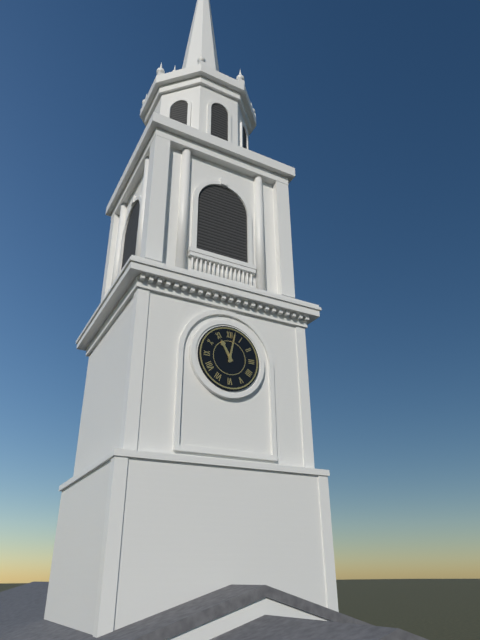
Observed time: **11:02**
